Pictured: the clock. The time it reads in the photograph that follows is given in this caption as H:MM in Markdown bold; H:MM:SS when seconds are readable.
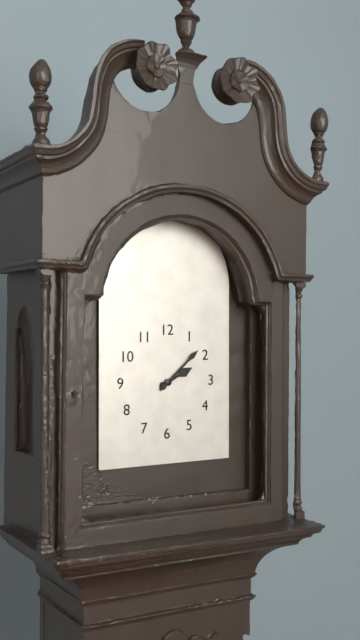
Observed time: **2:08**
